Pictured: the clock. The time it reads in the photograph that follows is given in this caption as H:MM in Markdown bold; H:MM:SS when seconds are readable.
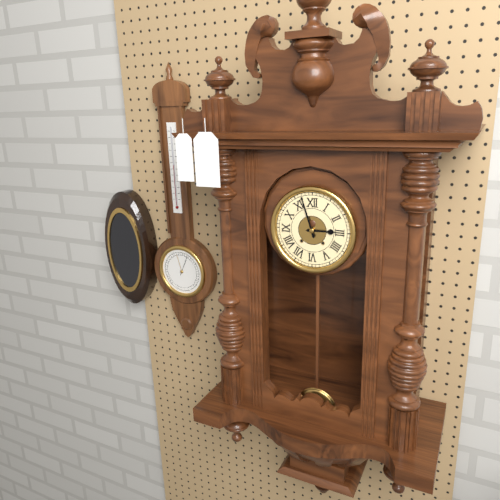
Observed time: **2:57**
